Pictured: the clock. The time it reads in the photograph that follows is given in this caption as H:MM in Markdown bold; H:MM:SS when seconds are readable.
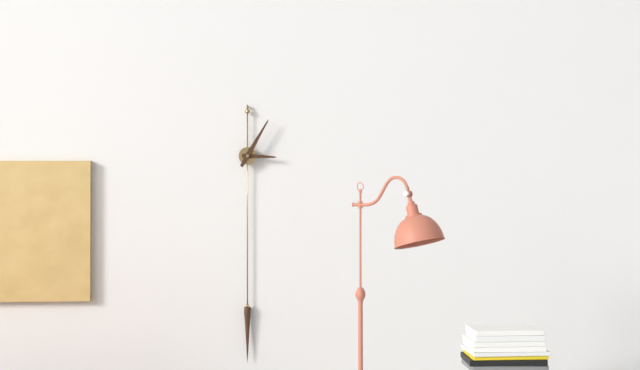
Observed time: **3:05**
